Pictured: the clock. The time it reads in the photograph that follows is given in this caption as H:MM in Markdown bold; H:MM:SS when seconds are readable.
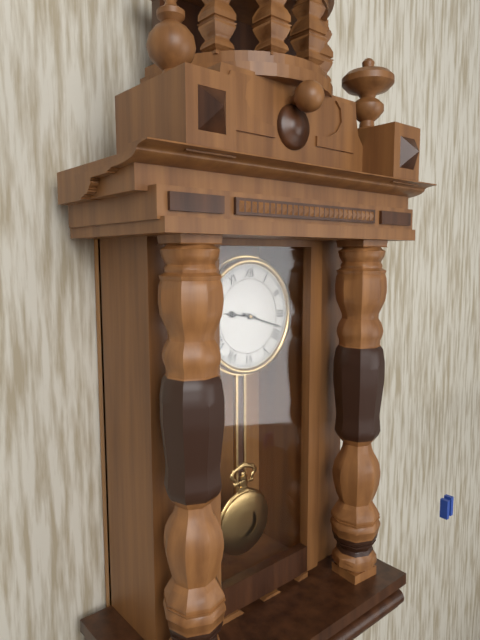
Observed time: **9:18**
